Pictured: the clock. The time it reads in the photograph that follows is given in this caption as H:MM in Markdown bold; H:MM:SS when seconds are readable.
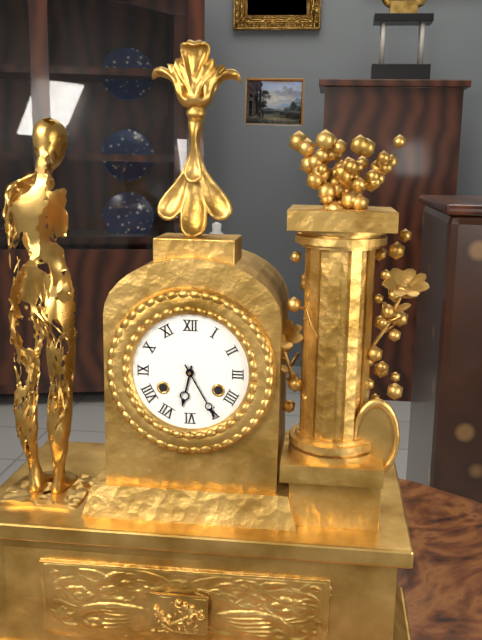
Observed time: **6:25**
